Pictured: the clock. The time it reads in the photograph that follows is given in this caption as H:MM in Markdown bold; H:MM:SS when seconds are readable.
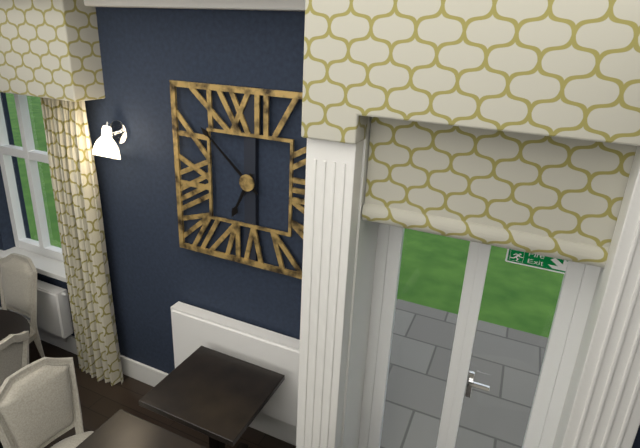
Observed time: **6:52**
